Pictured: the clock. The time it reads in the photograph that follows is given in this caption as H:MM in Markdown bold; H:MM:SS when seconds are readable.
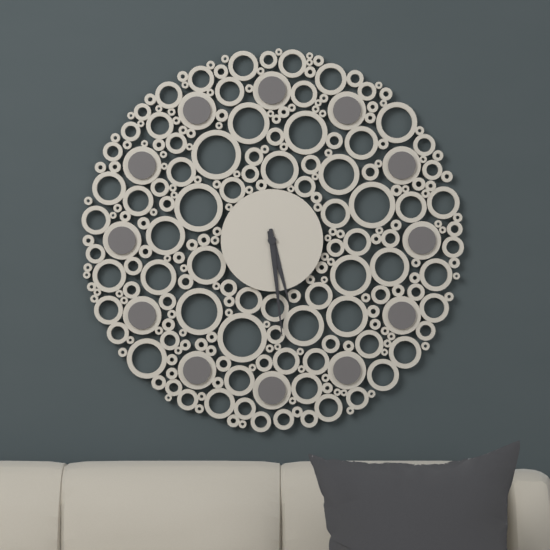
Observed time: **5:29**
